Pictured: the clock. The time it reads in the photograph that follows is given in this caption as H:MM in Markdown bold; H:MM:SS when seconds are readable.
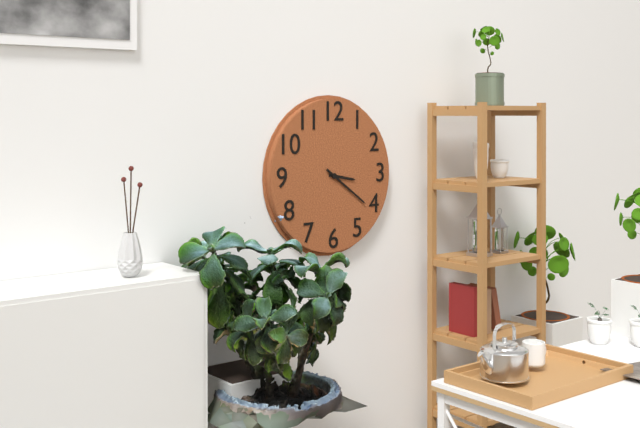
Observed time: **3:21**
